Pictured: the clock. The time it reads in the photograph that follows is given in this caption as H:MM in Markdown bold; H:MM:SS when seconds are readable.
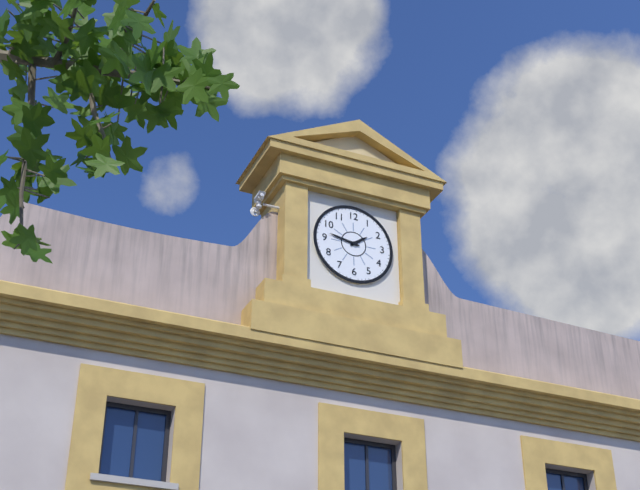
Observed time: **1:47**
